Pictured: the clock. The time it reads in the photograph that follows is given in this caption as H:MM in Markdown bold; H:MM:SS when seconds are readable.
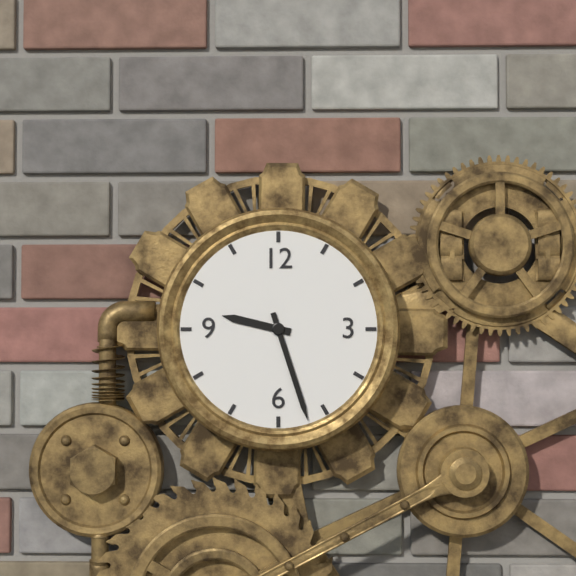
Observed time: **9:27**
